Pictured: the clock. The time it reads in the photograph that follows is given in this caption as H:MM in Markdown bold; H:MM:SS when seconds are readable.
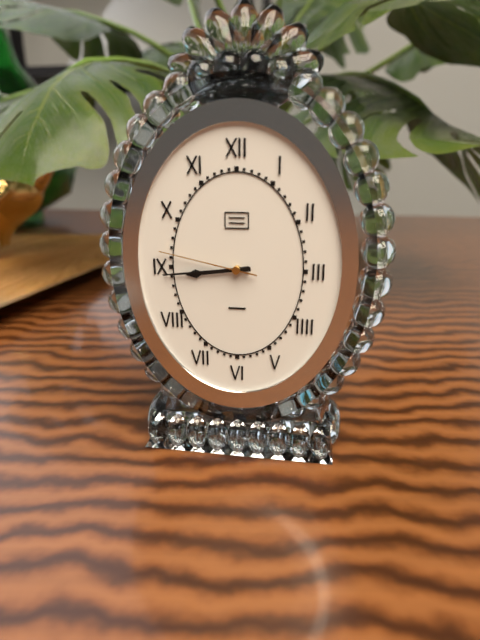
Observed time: **8:44:47**
